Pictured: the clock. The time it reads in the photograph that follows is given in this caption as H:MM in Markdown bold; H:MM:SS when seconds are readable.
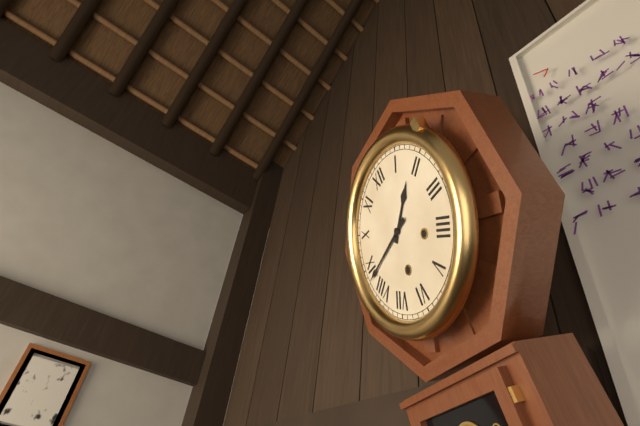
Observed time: **1:43**
